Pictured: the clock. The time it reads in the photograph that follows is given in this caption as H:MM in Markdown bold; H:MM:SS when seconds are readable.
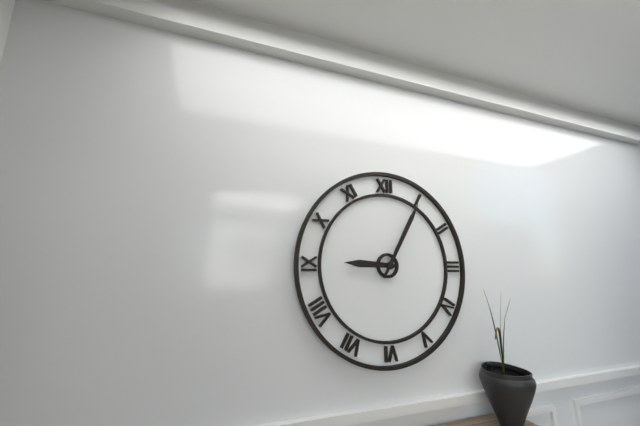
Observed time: **9:05**
